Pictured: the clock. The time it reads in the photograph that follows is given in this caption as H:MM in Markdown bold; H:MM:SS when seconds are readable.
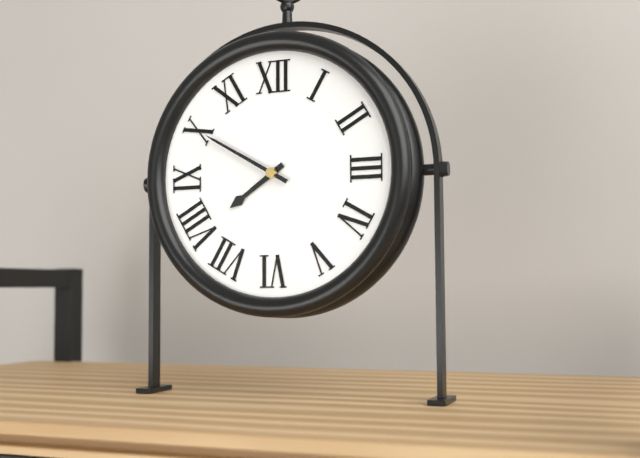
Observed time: **7:50**
